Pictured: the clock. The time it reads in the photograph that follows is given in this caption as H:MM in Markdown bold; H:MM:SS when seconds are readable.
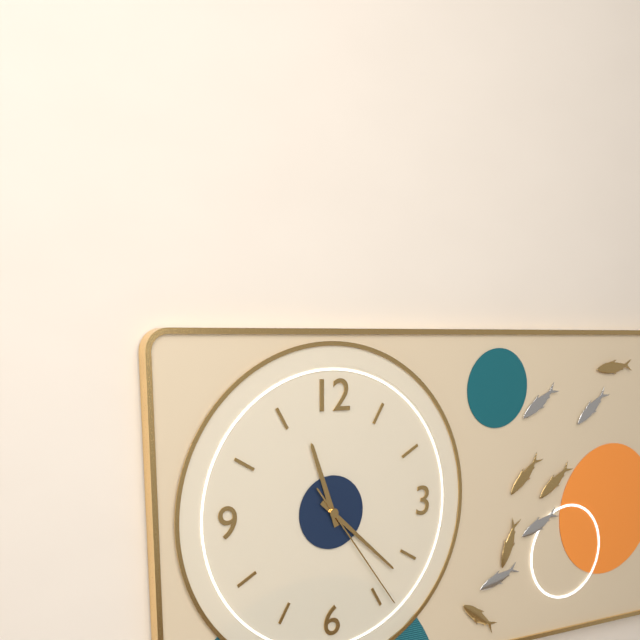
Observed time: **11:22:24**
